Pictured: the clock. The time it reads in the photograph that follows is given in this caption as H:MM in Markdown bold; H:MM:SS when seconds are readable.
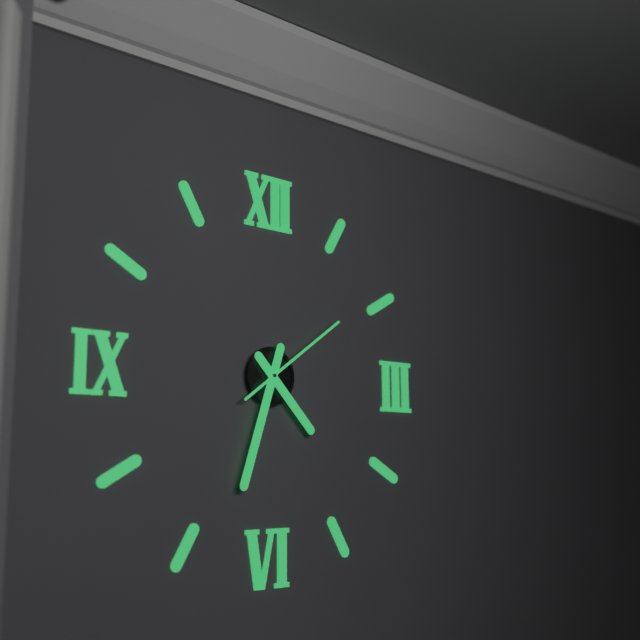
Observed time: **4:33:09**
